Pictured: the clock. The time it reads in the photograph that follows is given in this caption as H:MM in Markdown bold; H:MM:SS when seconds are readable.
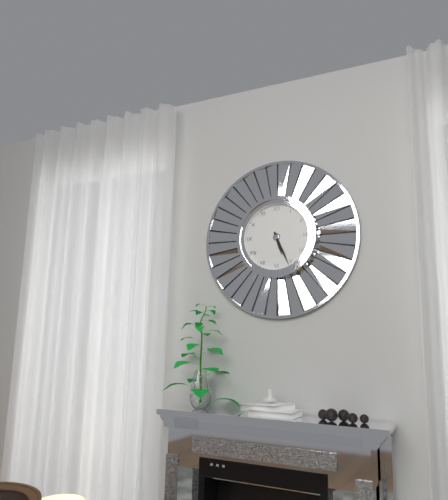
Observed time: **5:26**
